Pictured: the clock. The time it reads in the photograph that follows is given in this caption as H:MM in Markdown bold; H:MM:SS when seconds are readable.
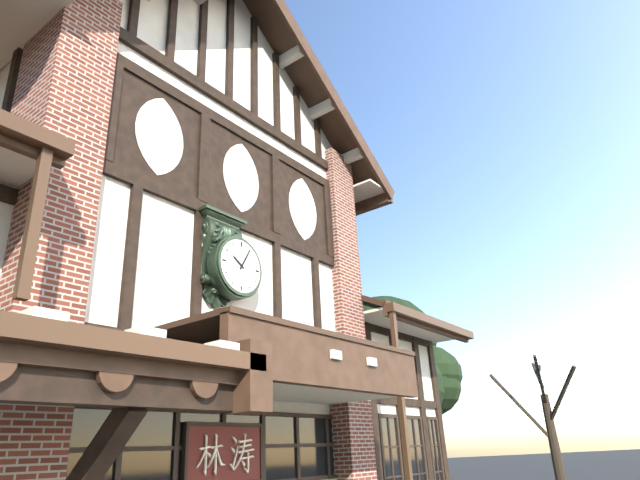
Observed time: **10:05**
